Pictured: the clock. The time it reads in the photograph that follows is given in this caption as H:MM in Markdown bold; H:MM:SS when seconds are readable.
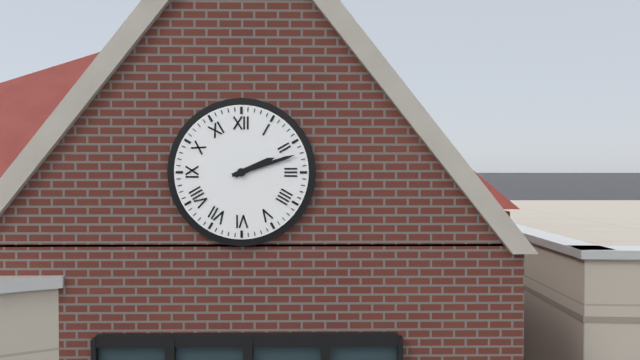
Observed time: **2:12**
